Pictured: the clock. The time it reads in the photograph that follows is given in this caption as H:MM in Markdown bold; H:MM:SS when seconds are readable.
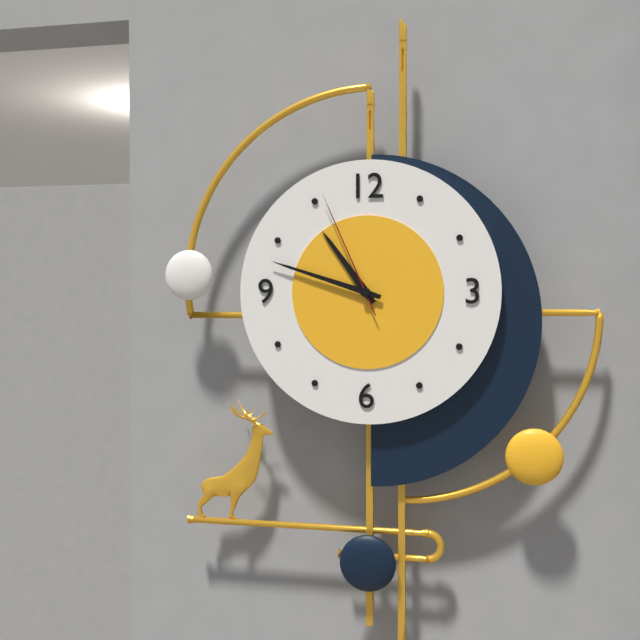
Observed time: **10:48:56**
